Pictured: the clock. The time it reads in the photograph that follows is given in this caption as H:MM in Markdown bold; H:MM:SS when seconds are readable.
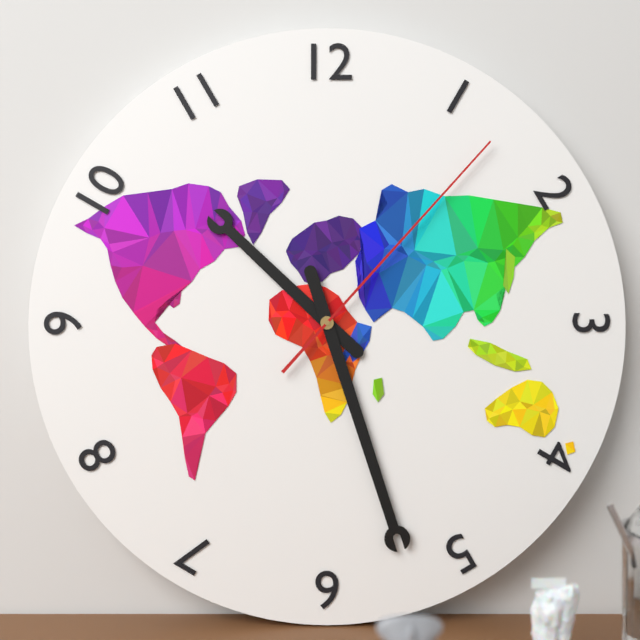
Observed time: **10:27:07**
